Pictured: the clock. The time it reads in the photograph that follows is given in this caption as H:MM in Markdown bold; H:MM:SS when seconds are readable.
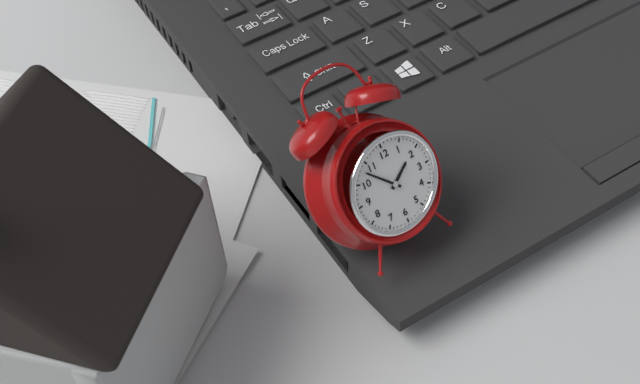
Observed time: **1:53**
